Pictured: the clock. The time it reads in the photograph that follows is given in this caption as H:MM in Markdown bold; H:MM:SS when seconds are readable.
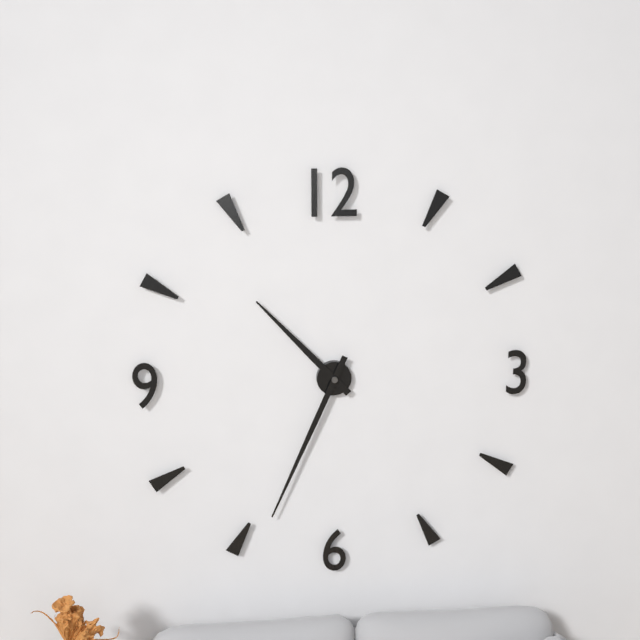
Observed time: **10:34**
